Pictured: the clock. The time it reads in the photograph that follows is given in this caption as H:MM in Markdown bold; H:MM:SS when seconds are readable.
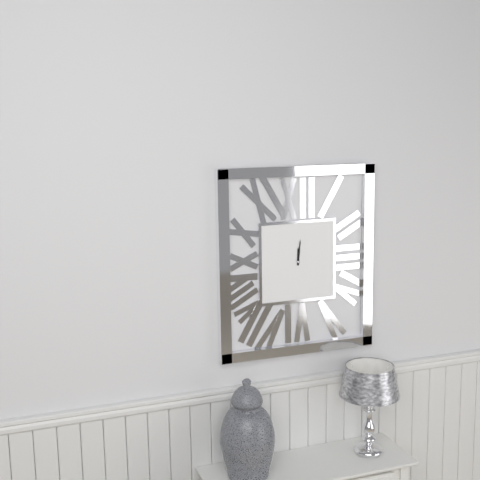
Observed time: **12:01**
